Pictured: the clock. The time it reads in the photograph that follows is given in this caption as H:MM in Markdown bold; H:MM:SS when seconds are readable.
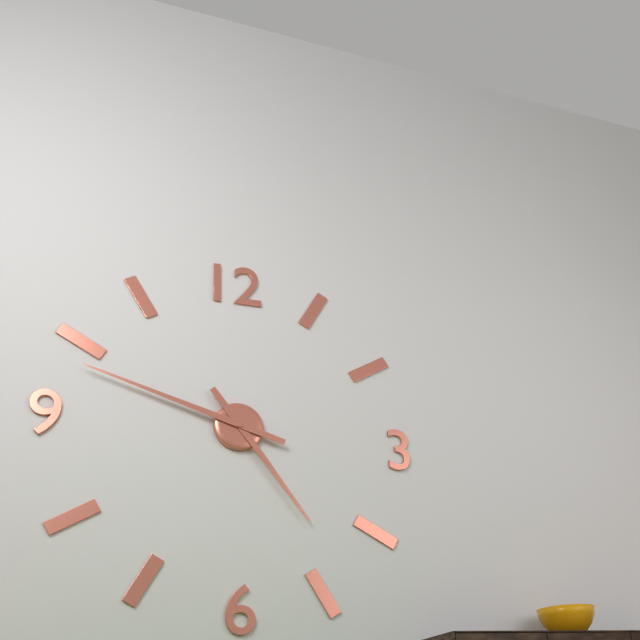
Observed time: **4:48**
